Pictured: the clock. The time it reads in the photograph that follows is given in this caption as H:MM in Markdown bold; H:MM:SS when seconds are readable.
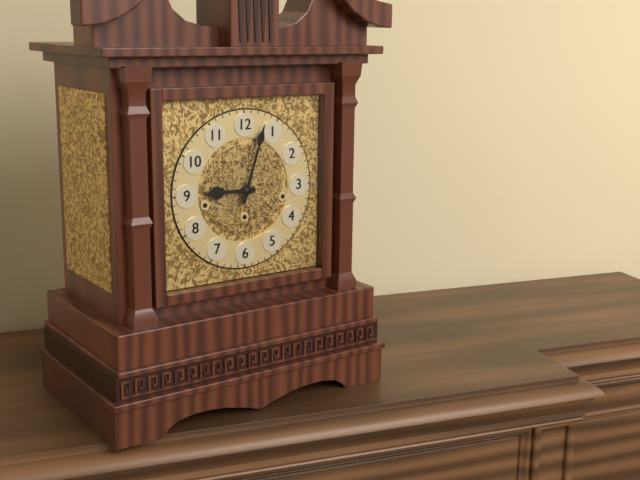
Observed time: **9:03**
